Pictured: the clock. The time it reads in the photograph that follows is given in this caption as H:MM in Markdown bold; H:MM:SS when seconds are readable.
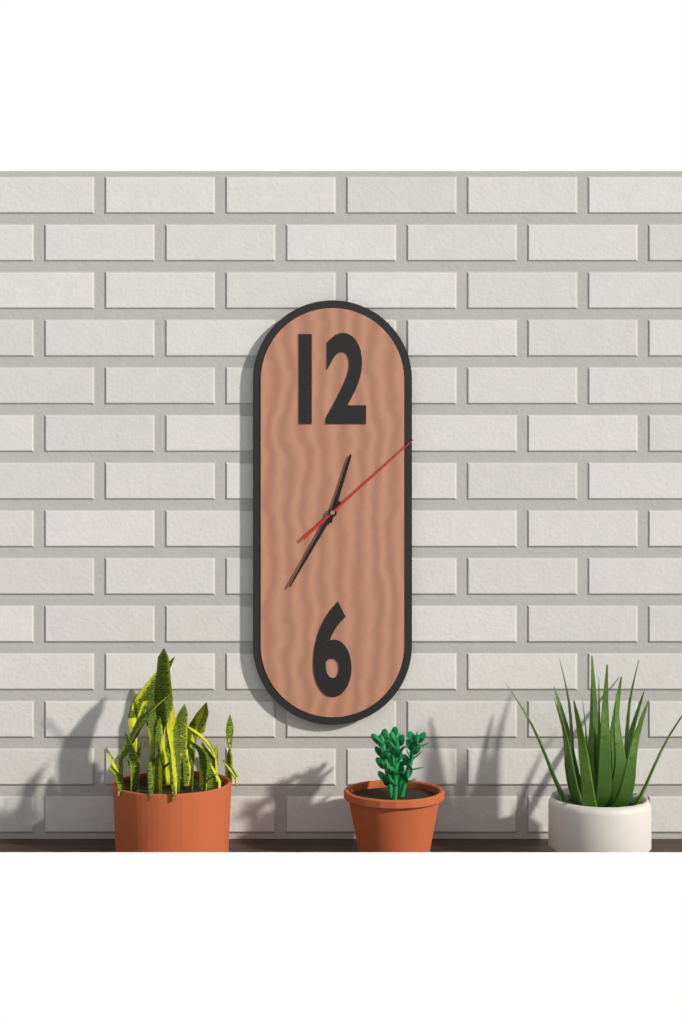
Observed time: **12:35:08**
